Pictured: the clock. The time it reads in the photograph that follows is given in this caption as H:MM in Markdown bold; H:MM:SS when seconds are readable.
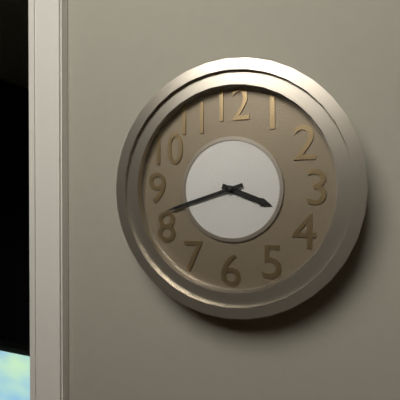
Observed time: **3:42**
